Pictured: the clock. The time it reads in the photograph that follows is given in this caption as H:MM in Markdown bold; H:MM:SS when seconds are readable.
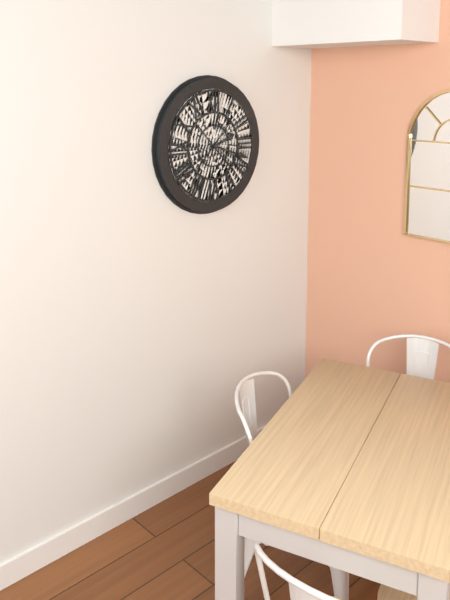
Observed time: **2:18**
